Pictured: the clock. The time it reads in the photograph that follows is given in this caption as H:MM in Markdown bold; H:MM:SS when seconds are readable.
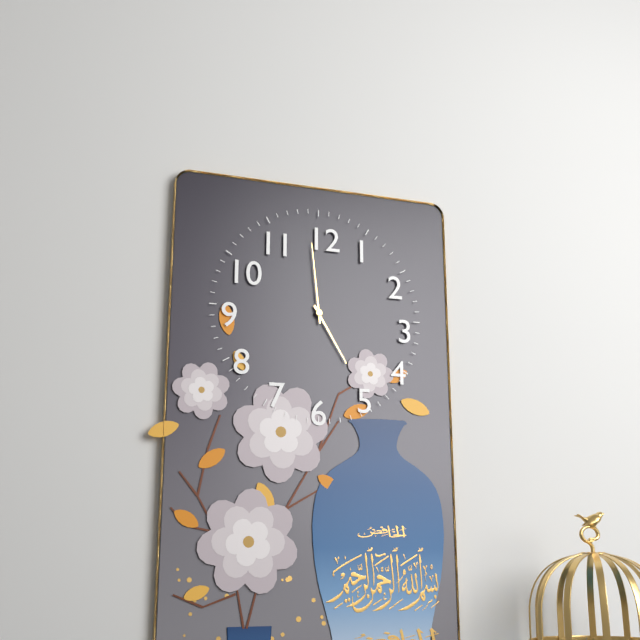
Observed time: **4:59**
